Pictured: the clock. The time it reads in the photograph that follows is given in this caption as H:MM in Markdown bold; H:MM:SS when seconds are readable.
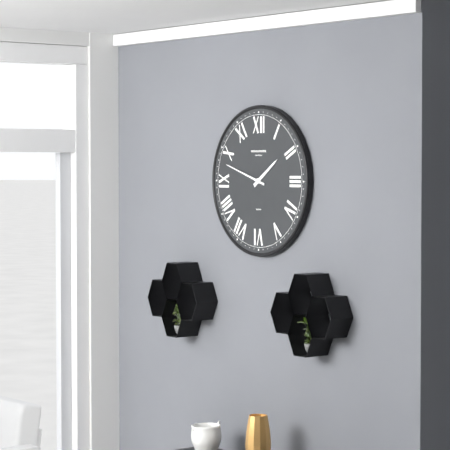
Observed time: **1:48**
